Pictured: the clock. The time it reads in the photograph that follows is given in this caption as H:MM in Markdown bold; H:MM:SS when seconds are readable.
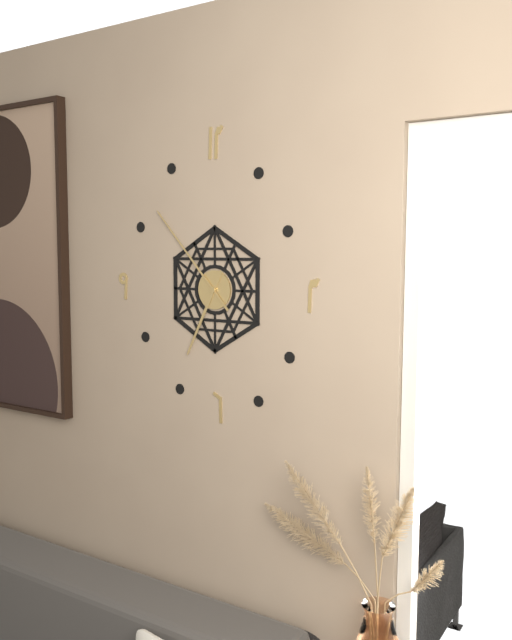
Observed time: **6:53**
